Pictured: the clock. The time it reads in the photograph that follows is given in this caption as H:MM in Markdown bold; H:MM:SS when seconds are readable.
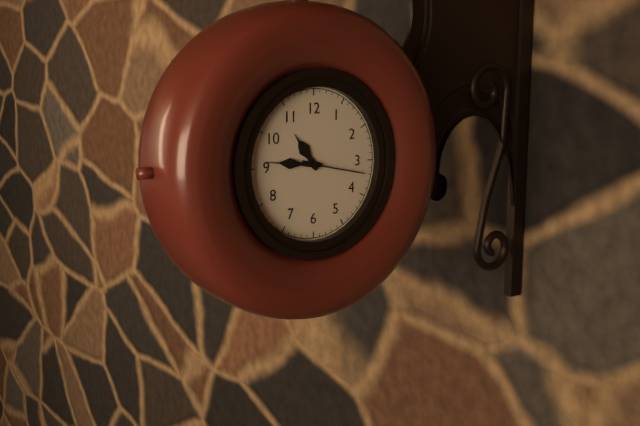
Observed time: **10:46:17**
